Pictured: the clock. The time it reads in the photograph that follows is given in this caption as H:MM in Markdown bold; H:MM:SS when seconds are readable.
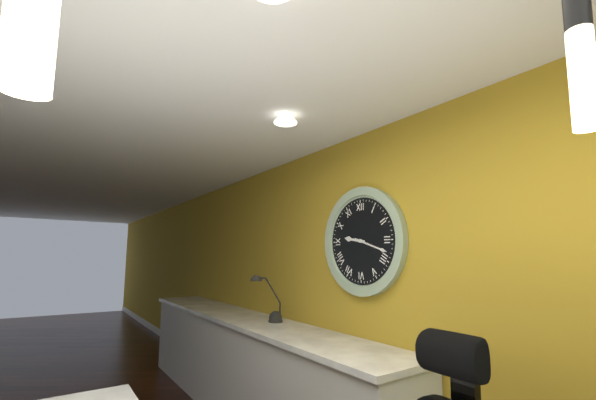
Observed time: **9:18**
